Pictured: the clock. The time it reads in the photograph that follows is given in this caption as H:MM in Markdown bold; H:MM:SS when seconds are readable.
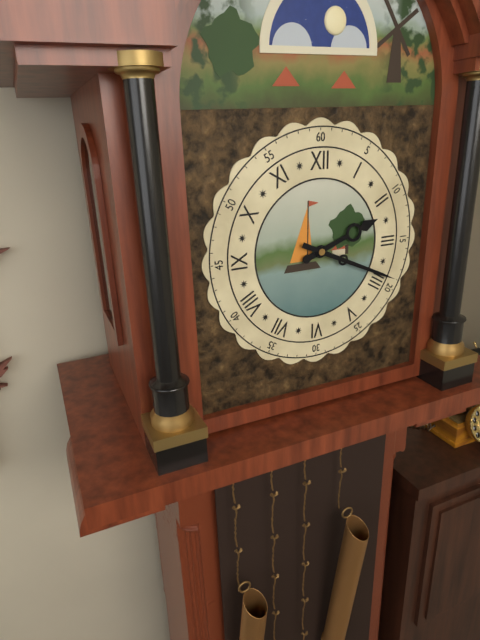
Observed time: **2:19**
